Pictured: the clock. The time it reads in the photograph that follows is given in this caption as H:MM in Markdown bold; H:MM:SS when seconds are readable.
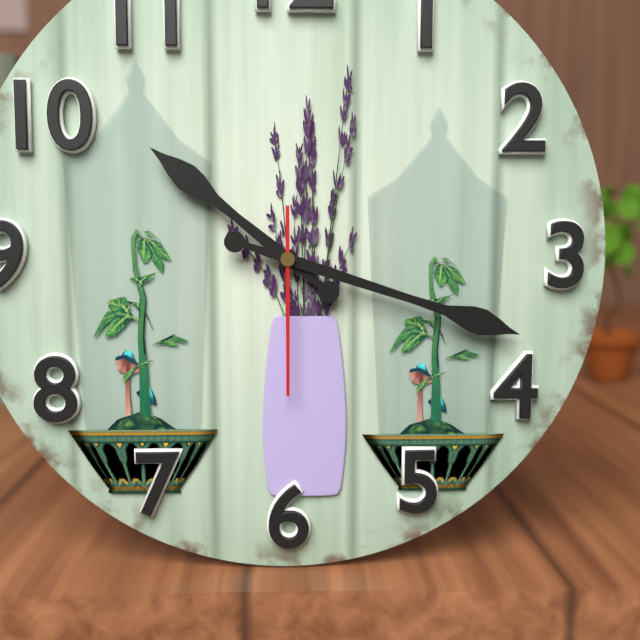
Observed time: **10:18:30**
